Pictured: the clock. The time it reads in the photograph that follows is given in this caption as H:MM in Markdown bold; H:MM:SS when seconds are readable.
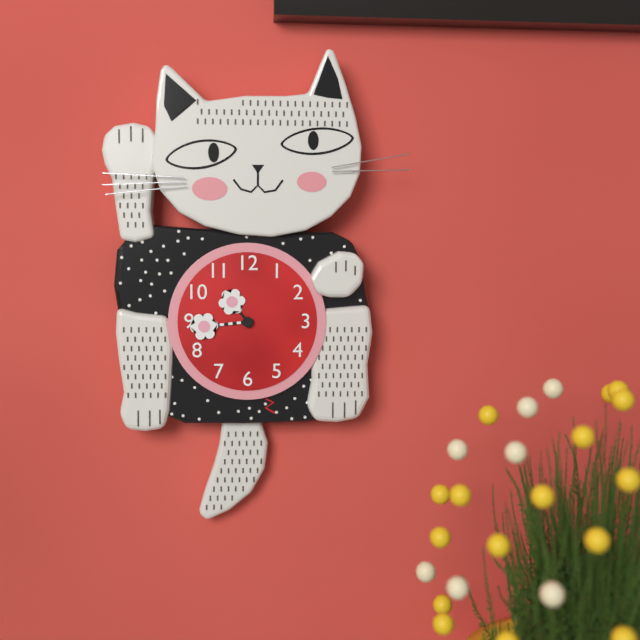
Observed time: **10:44**
